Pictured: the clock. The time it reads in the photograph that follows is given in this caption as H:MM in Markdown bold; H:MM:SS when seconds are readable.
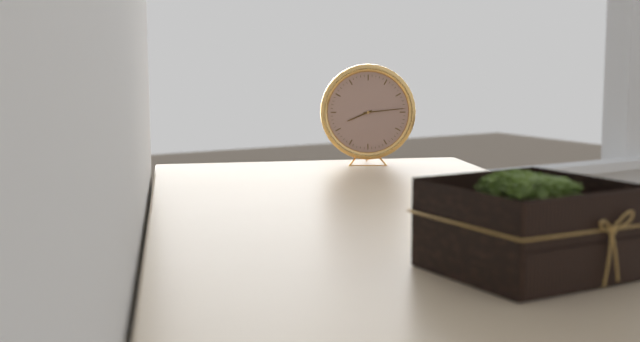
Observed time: **8:14**
